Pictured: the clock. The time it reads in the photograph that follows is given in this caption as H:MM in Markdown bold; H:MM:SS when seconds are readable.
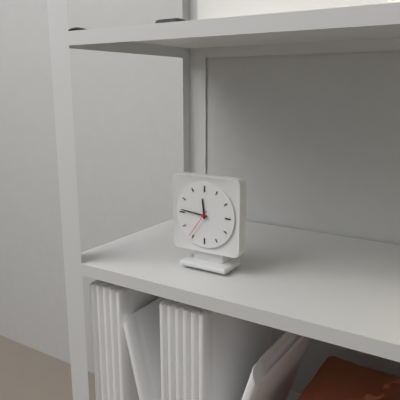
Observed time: **11:46**
